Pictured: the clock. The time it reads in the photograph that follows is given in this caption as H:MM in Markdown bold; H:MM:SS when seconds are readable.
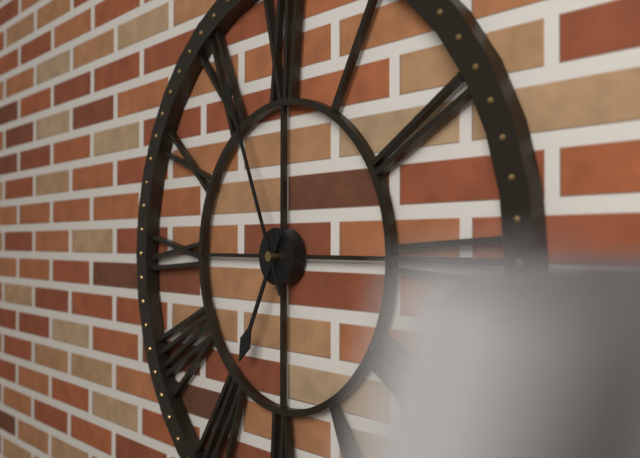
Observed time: **6:56**
